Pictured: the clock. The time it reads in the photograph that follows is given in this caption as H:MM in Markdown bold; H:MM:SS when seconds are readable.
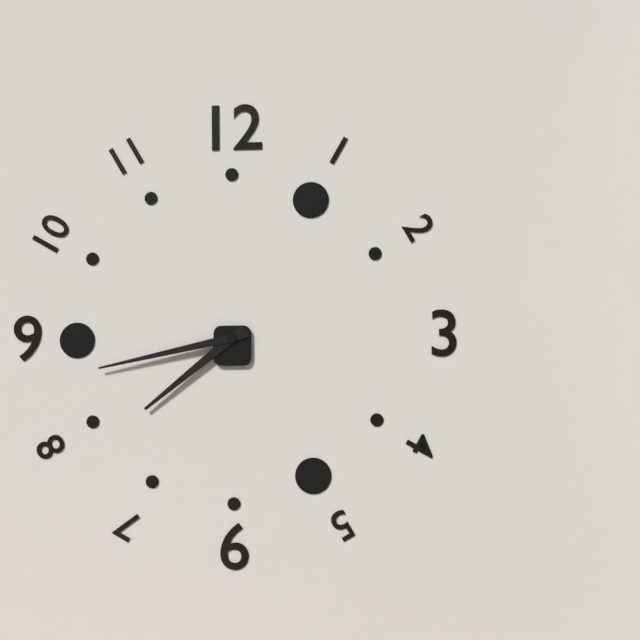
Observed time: **7:43**
